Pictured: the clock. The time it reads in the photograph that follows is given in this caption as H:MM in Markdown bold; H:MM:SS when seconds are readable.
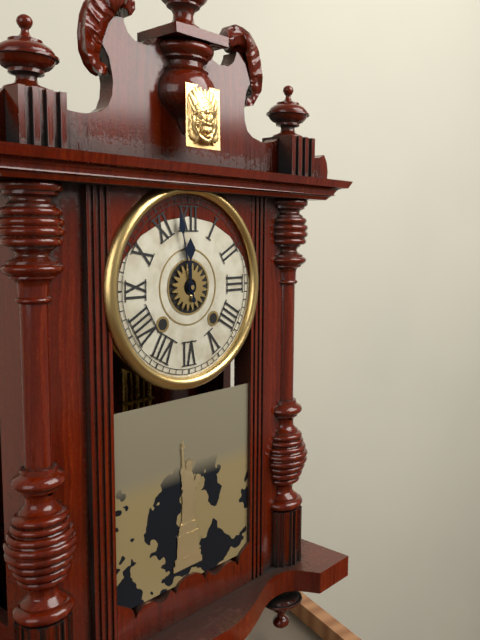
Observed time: **11:58**
